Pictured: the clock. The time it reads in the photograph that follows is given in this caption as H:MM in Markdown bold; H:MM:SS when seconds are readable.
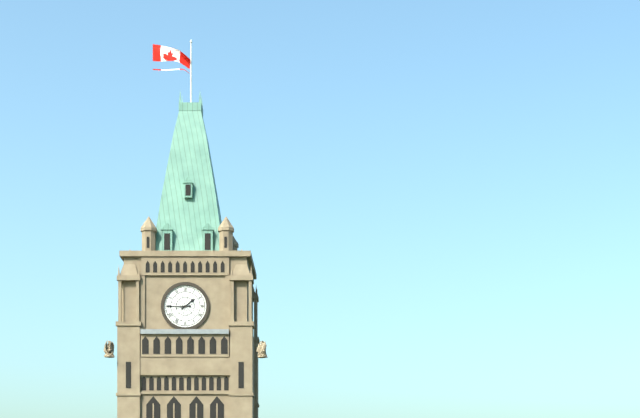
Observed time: **1:45**
